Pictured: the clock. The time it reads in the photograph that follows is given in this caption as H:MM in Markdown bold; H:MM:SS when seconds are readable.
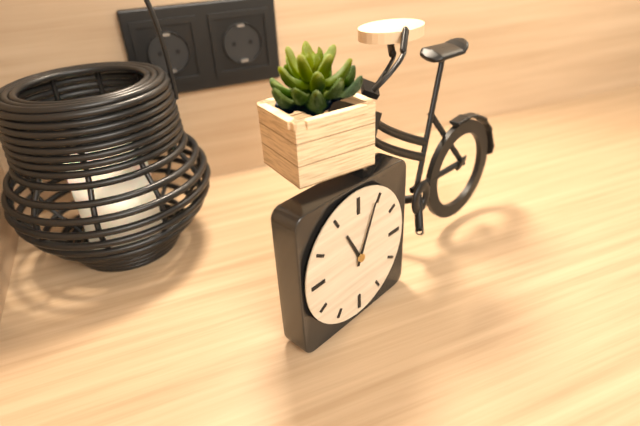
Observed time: **11:04**
